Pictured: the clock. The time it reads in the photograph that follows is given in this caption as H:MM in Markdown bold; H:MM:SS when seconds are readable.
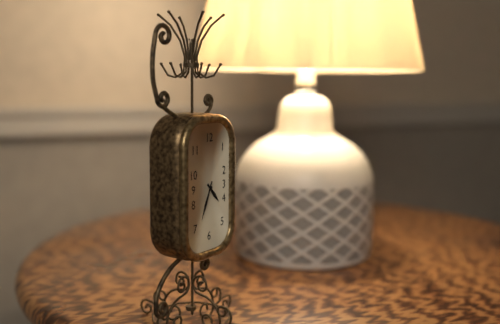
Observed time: **4:34**
